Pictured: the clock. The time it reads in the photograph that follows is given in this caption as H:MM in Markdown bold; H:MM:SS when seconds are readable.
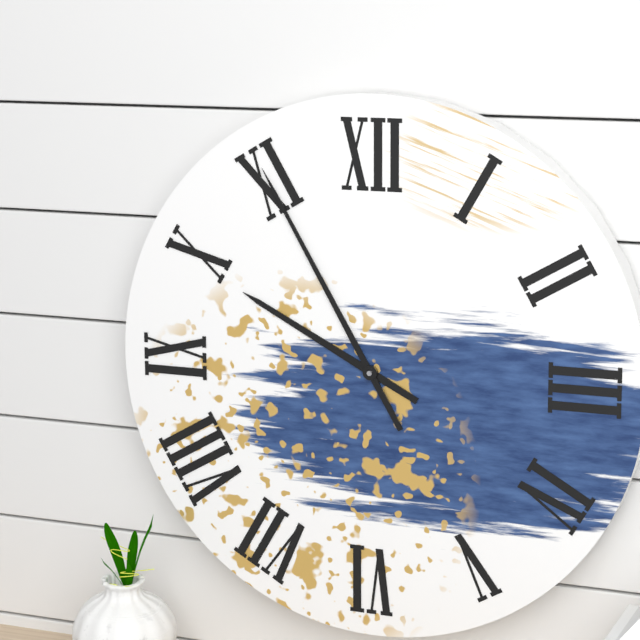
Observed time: **9:55**
